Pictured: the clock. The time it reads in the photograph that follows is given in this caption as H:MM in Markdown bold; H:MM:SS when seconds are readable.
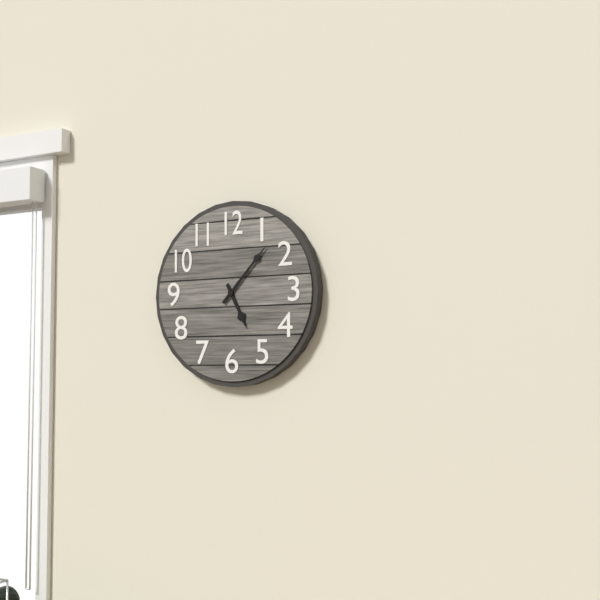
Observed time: **5:07**
